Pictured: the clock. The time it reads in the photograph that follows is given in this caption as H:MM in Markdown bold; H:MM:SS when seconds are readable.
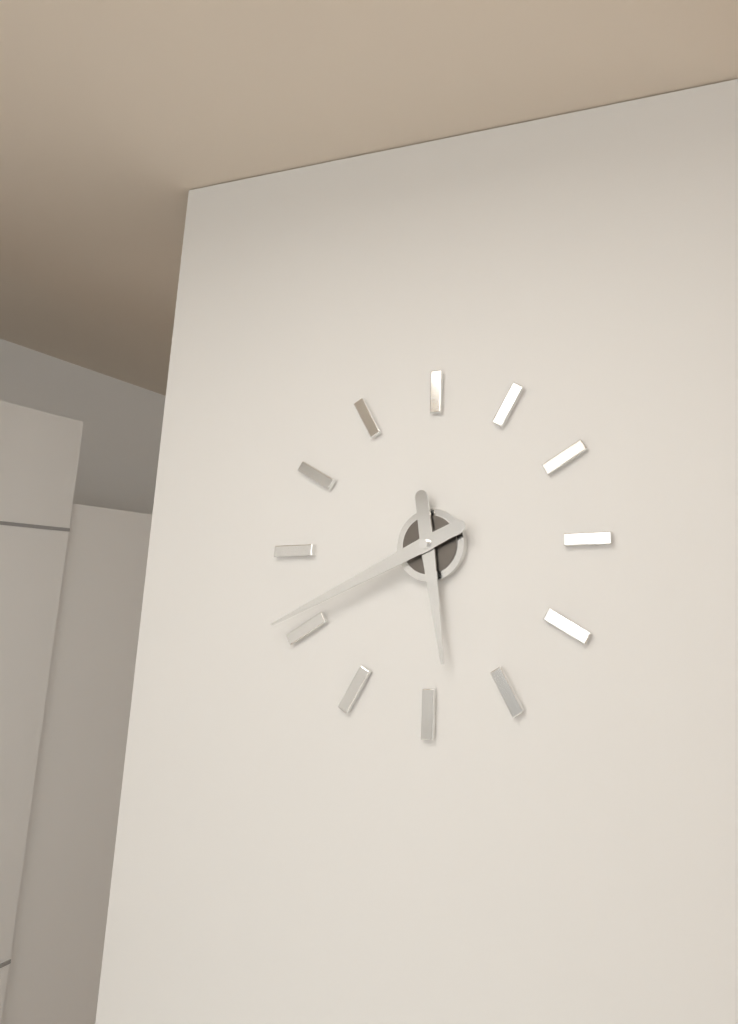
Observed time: **5:41**
